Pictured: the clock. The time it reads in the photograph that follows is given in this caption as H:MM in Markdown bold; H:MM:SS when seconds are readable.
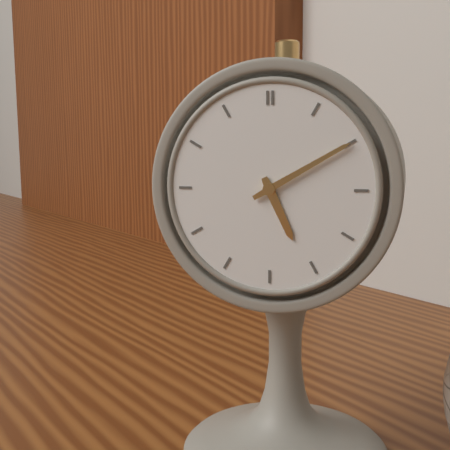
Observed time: **5:10**
